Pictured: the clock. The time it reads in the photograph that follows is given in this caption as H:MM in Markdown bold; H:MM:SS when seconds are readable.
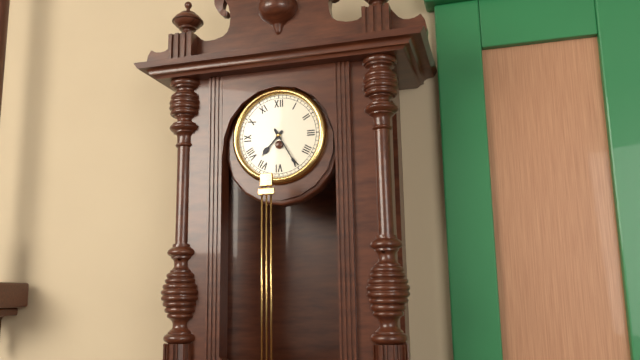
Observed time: **7:25**
